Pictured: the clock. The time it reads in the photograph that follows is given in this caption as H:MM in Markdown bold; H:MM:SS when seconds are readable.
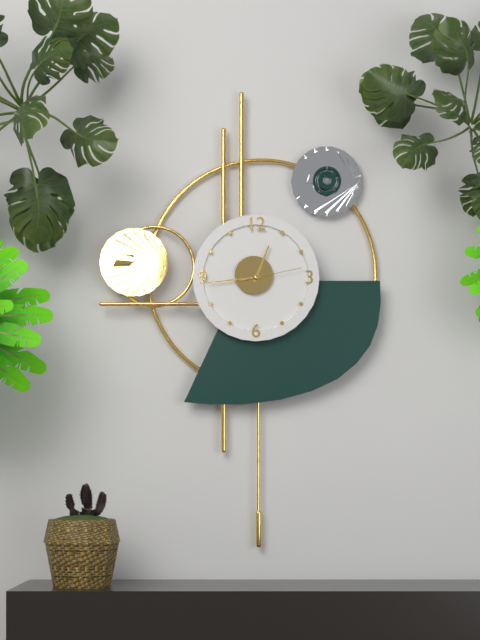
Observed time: **12:44:13**
